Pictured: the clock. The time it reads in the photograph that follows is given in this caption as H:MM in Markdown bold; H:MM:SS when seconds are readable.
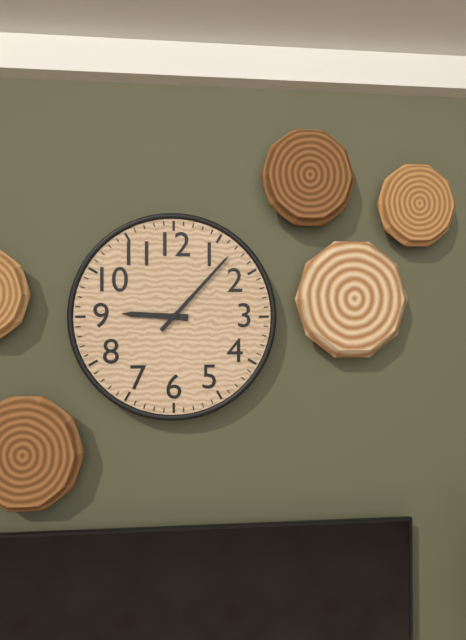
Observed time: **9:07**
